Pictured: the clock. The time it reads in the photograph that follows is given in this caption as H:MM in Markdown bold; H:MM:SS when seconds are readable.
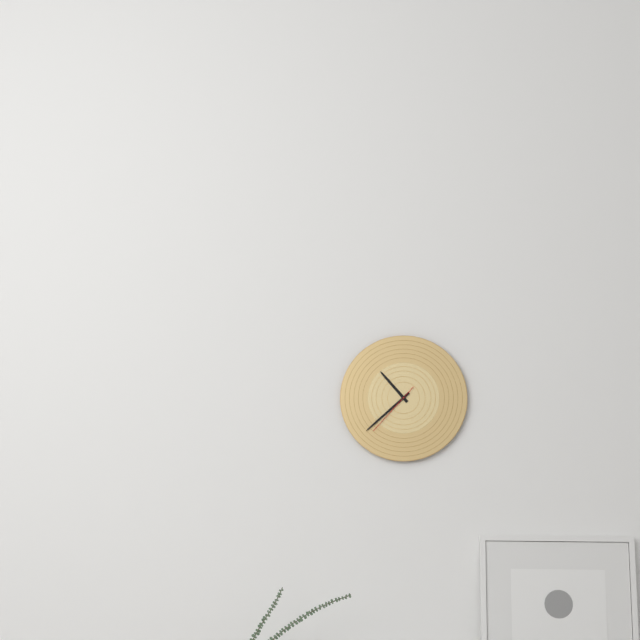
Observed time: **10:38:37**
